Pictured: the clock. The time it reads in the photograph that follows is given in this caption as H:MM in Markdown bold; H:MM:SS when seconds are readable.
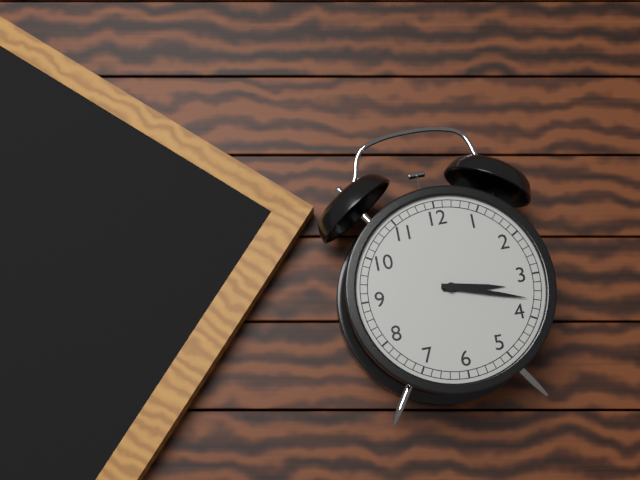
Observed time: **3:18**
